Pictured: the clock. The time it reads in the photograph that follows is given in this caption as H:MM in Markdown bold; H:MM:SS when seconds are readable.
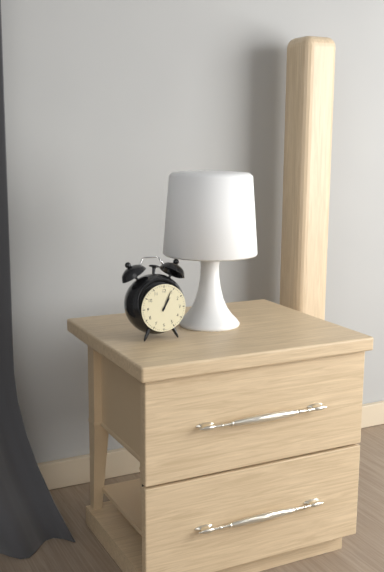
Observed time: **1:04**
